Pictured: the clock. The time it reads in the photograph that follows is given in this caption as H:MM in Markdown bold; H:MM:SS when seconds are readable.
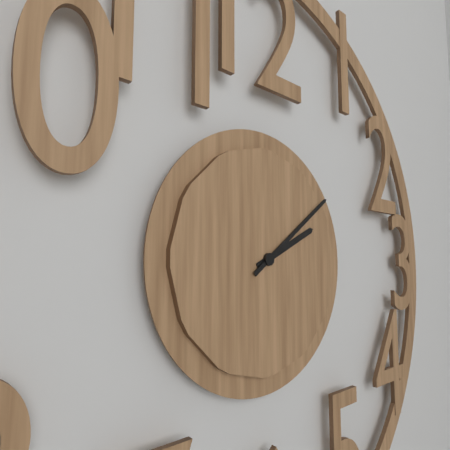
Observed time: **2:09**
